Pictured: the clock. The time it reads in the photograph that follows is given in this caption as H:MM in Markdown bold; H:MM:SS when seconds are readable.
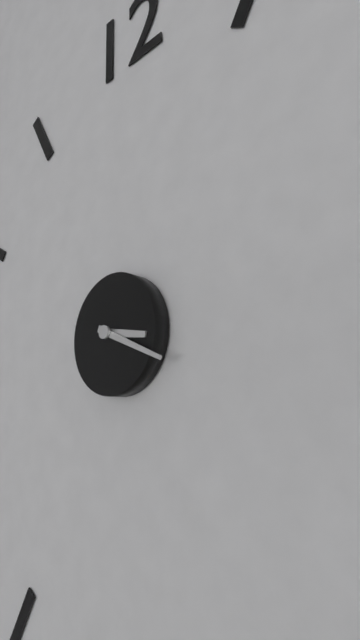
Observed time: **3:19**
